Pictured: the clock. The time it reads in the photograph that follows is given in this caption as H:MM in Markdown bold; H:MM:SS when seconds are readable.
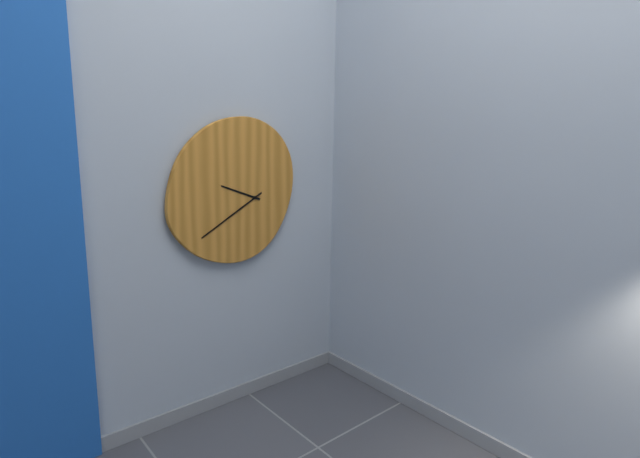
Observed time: **9:40**
